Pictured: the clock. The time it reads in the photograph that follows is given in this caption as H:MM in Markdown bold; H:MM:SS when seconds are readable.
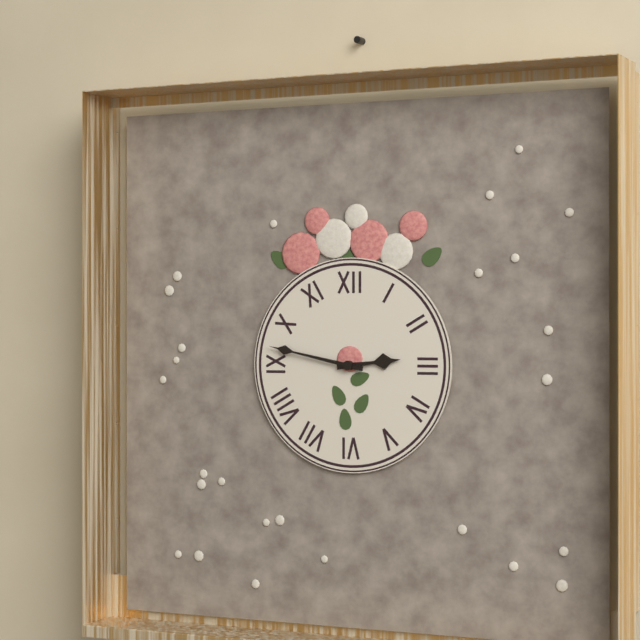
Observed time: **2:47**
